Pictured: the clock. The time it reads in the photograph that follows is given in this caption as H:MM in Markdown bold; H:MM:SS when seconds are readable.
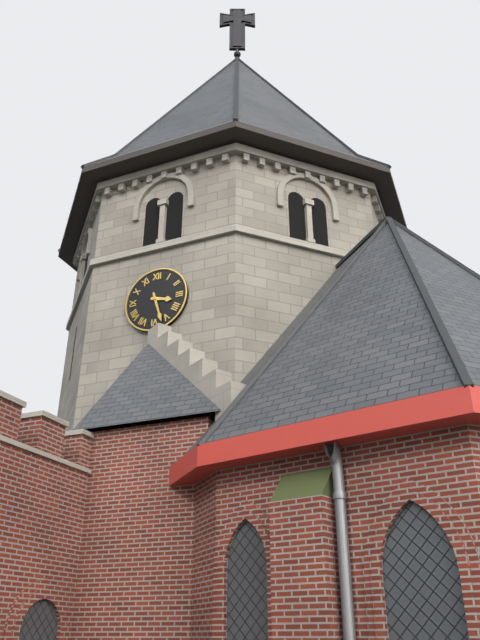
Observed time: **3:27**
